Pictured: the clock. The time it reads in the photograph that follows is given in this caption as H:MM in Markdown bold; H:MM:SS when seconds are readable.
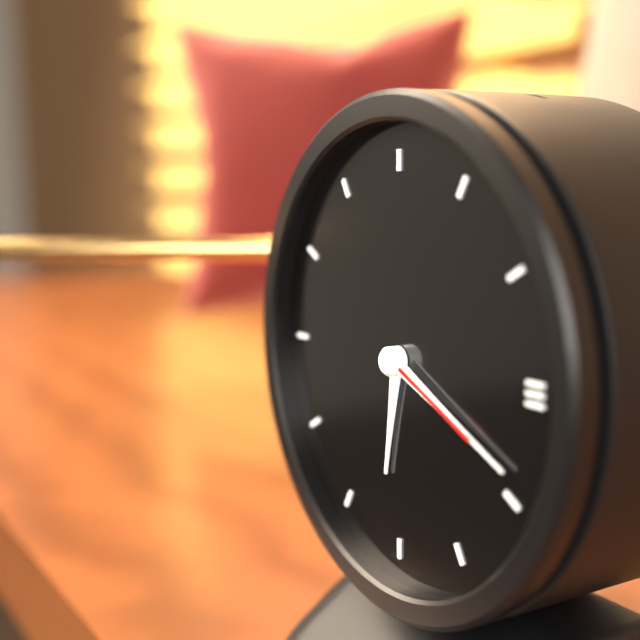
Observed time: **6:19:19**
